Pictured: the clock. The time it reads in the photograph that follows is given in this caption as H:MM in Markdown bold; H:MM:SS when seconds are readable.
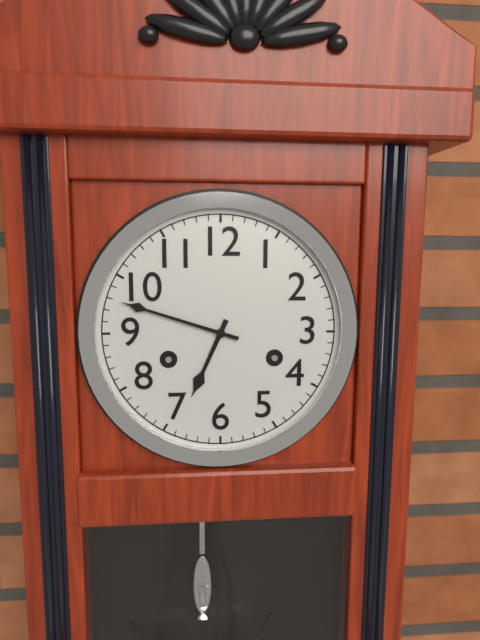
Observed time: **6:48**
